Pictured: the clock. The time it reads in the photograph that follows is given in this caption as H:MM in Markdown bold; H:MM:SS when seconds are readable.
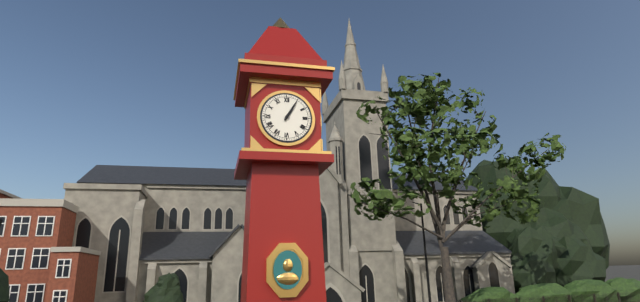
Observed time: **1:05**
